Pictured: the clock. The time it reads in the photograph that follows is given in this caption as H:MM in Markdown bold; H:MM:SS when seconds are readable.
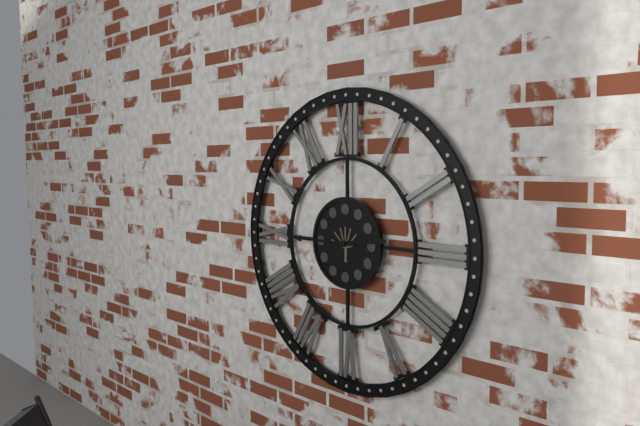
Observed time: **2:45**
